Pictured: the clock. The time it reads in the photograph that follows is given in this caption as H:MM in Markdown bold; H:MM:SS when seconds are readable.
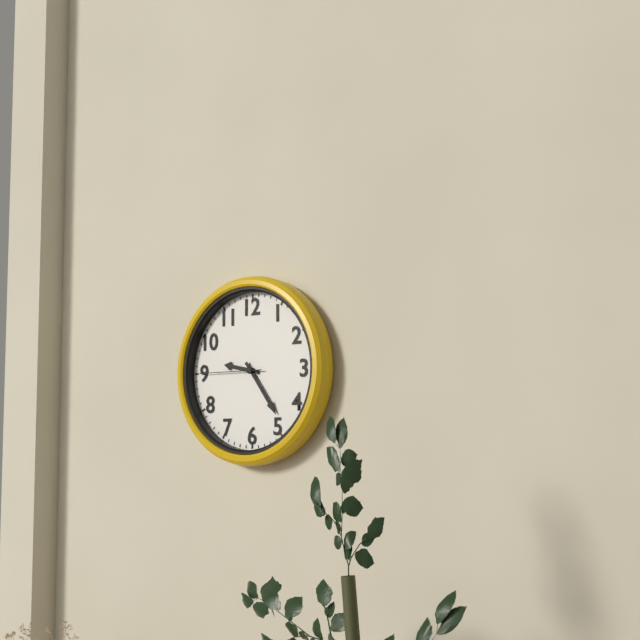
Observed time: **9:24:45**
